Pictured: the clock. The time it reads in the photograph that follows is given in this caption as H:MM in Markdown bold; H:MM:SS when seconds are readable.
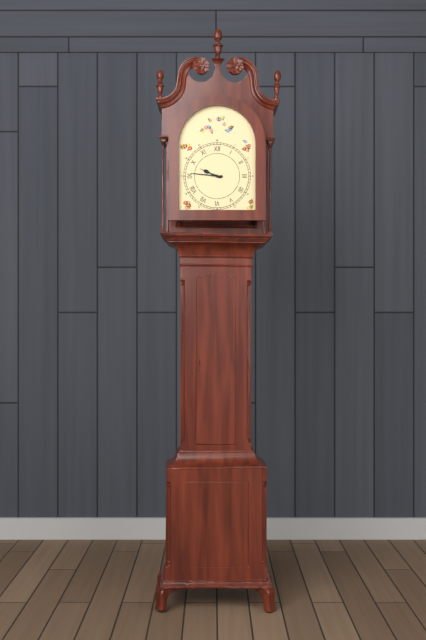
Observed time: **9:46**
